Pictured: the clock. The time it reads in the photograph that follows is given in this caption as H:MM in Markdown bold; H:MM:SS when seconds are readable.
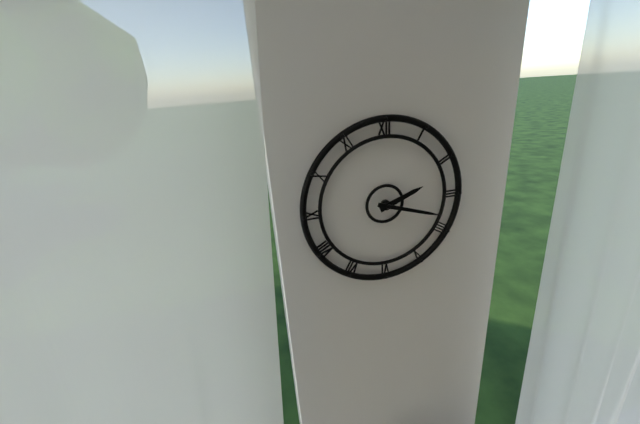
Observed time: **2:18**
